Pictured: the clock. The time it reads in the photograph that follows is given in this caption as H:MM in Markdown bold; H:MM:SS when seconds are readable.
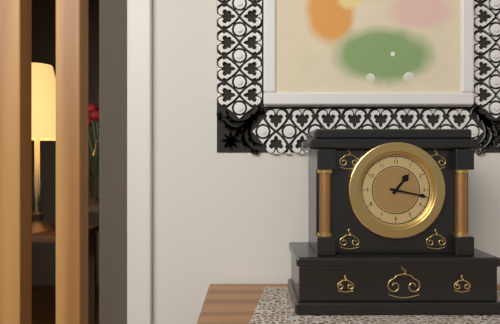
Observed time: **1:17**
